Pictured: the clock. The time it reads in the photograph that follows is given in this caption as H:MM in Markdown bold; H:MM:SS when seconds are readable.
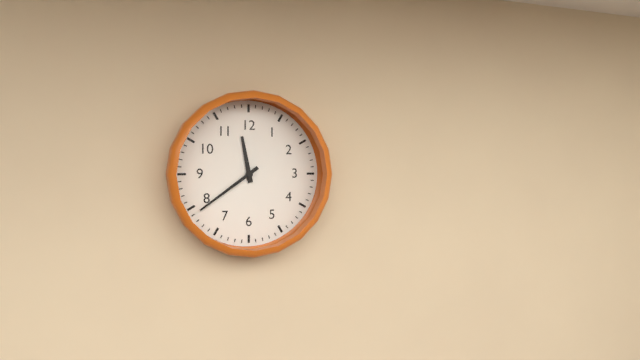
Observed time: **11:39**
